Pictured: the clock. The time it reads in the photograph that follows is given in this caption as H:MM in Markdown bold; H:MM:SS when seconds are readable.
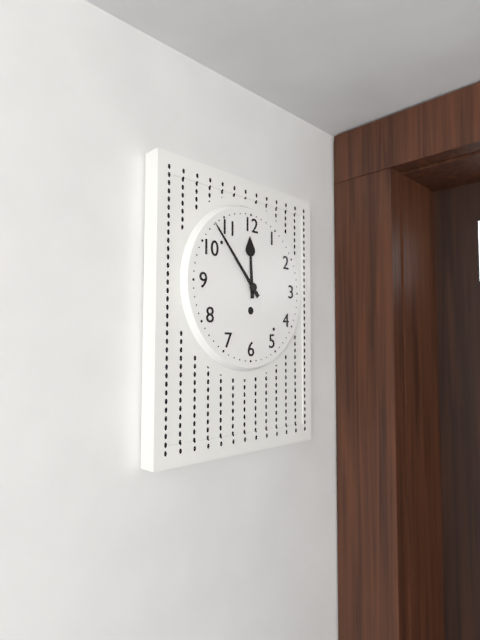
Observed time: **11:53**
